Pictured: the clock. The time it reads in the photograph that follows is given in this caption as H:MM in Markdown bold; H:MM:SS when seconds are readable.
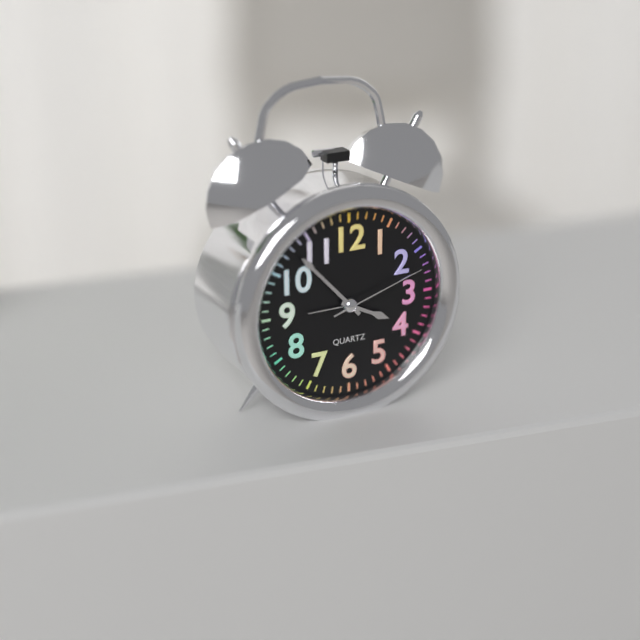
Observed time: **3:53:12**
